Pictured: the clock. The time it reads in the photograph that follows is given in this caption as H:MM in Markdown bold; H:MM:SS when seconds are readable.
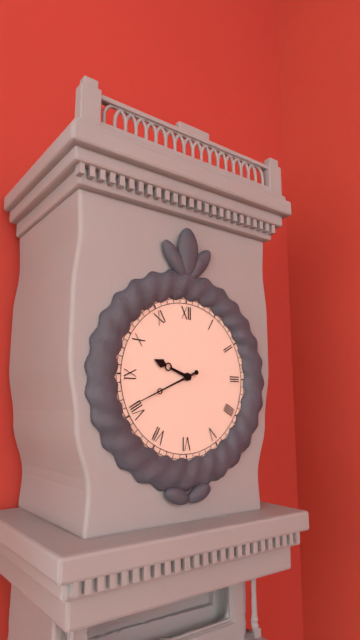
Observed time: **9:41**
